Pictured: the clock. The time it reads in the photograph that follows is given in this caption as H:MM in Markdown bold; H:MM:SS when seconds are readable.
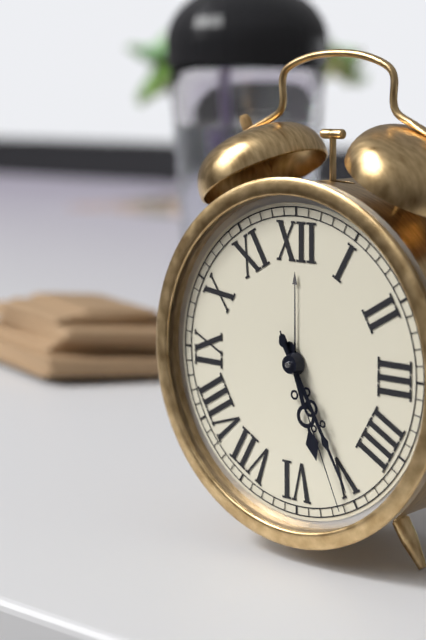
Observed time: **5:25:26**
